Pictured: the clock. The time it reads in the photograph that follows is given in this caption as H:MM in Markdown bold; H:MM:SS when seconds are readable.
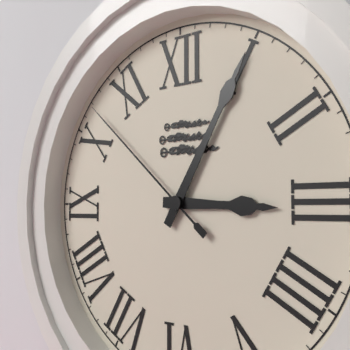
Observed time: **3:05:52**
